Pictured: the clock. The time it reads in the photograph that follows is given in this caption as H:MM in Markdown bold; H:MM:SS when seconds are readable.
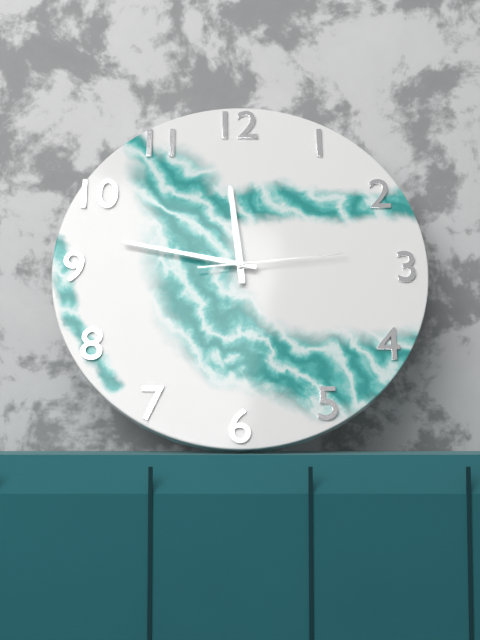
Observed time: **11:47:14**
